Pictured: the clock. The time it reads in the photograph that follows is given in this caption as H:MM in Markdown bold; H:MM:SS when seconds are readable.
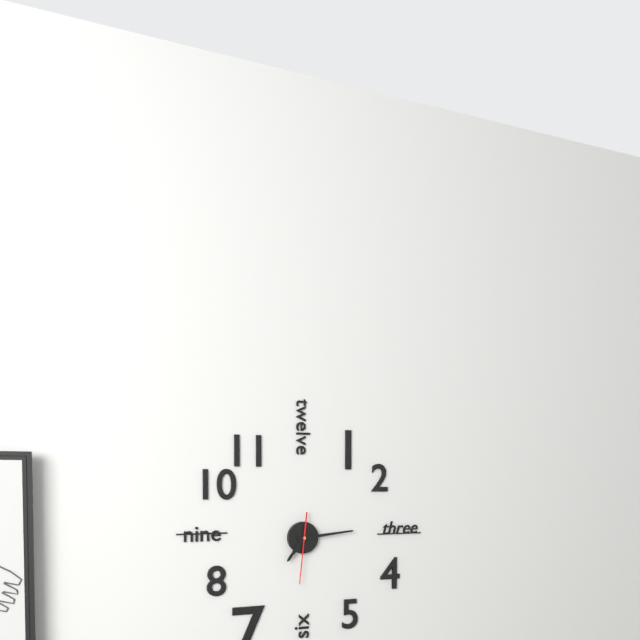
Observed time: **7:14:31**
